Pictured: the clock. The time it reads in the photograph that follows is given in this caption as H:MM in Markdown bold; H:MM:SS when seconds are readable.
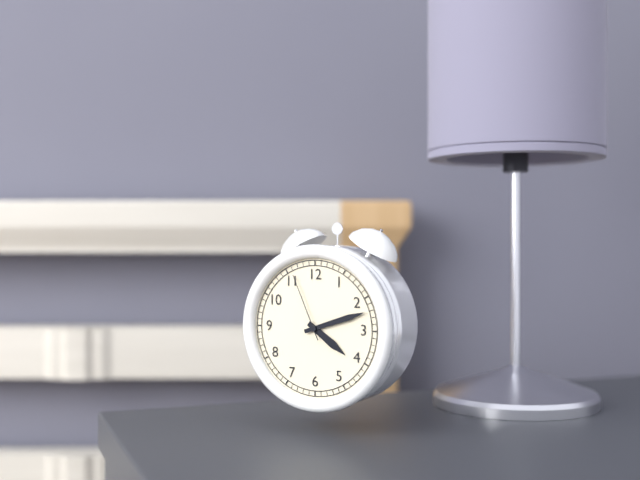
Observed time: **4:12:56**
